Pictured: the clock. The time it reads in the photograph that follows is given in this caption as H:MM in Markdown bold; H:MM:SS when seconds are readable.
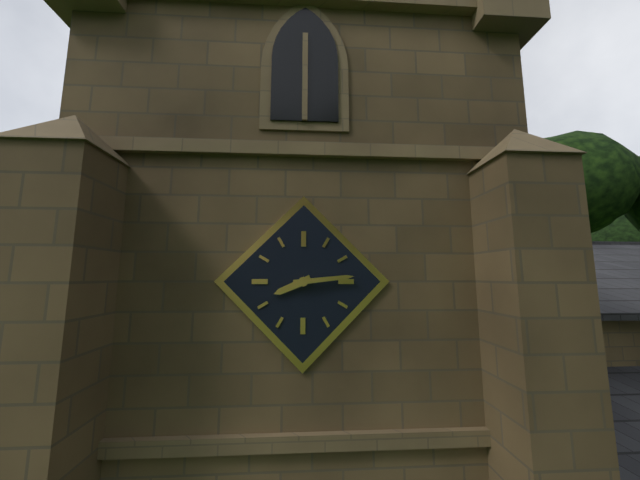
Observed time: **8:14**
